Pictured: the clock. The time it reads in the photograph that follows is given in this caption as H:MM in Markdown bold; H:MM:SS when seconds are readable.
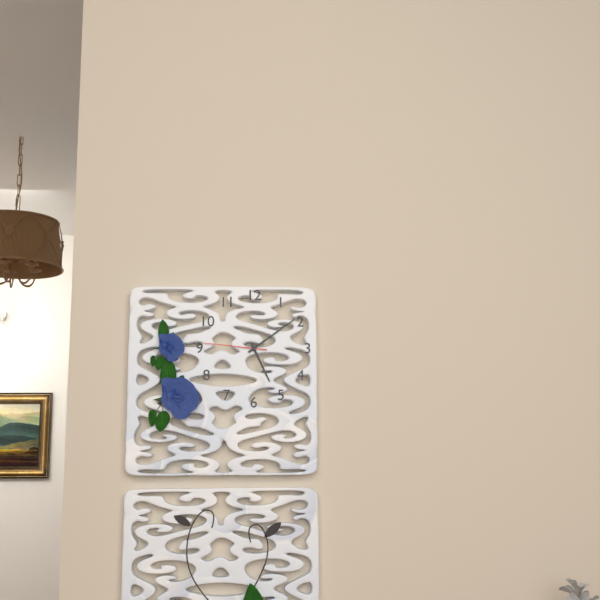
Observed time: **5:09:46**
